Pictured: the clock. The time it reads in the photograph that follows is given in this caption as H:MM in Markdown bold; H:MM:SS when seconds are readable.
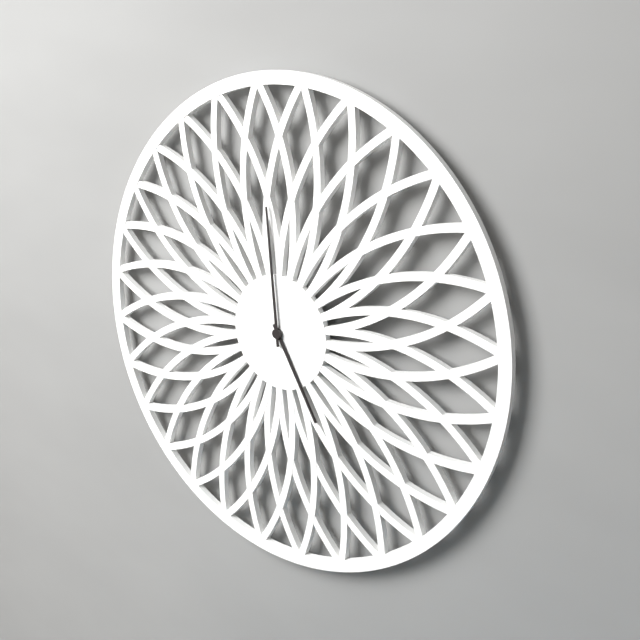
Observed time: **4:59**
